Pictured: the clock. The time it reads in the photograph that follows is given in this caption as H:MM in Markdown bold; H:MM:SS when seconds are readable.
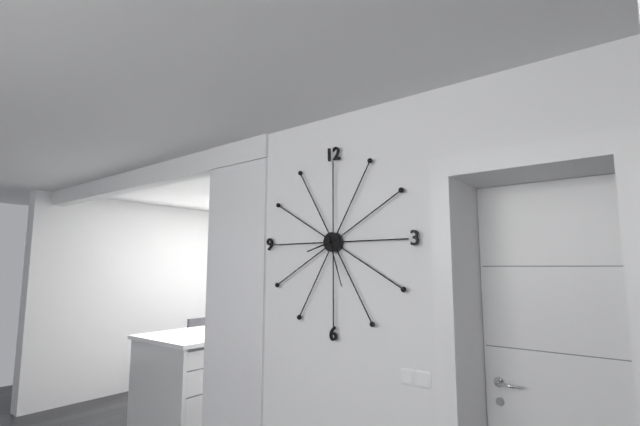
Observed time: **8:27**
